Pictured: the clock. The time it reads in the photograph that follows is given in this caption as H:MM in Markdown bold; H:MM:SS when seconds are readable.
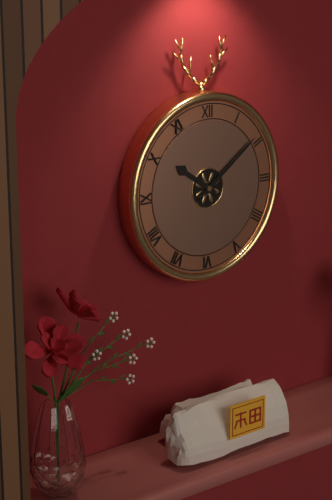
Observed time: **10:09**
